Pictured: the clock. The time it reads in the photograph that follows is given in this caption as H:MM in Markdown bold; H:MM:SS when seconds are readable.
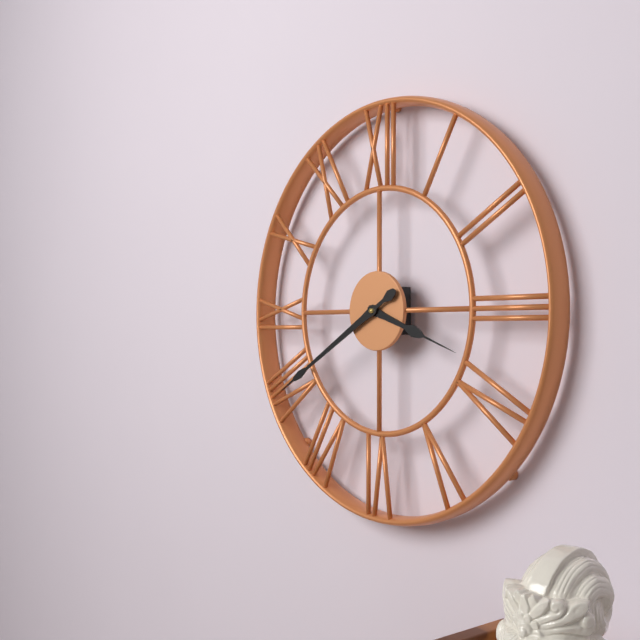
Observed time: **3:40**
